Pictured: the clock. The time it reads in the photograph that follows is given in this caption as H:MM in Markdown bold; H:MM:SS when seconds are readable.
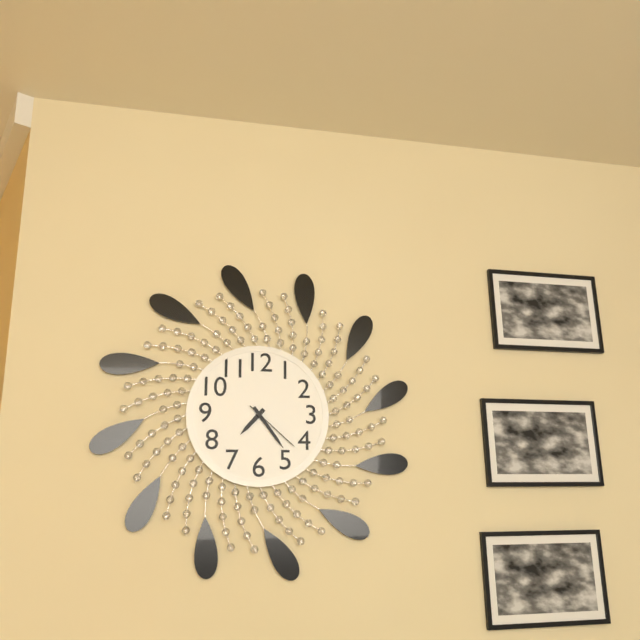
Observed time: **7:24:22**
